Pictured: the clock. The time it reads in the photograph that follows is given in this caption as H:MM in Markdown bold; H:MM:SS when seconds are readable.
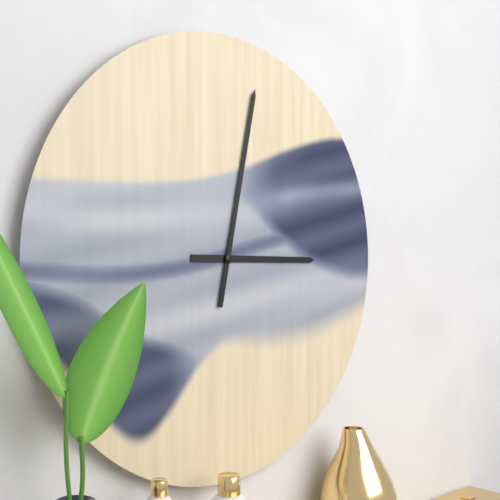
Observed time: **3:02**
